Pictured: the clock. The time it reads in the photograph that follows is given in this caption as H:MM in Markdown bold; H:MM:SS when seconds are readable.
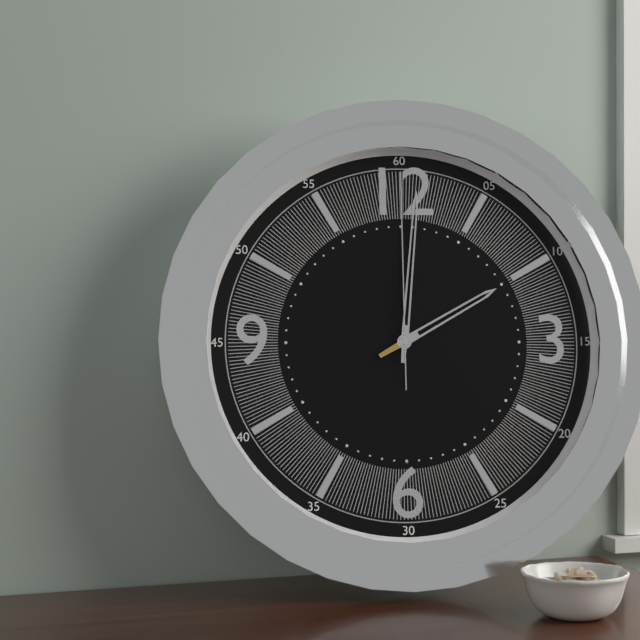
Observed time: **2:01:00**
